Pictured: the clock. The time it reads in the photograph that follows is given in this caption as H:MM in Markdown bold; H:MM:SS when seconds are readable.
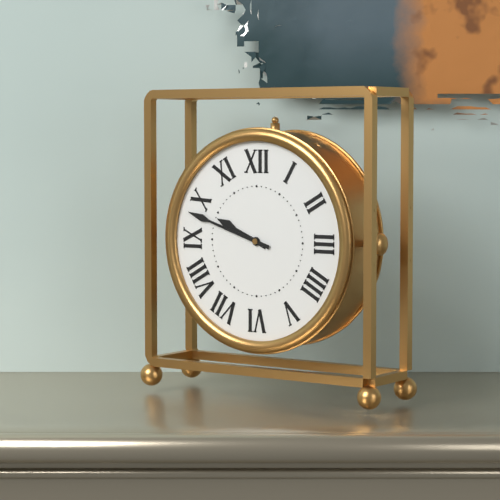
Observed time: **9:48**
